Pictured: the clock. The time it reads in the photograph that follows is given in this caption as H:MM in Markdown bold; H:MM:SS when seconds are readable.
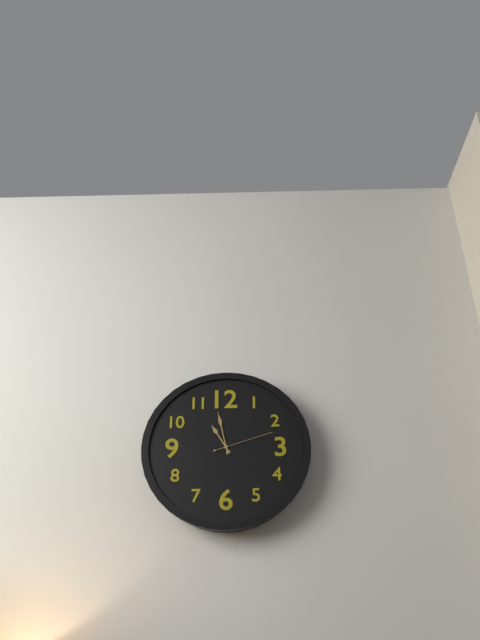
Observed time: **10:58:12**
